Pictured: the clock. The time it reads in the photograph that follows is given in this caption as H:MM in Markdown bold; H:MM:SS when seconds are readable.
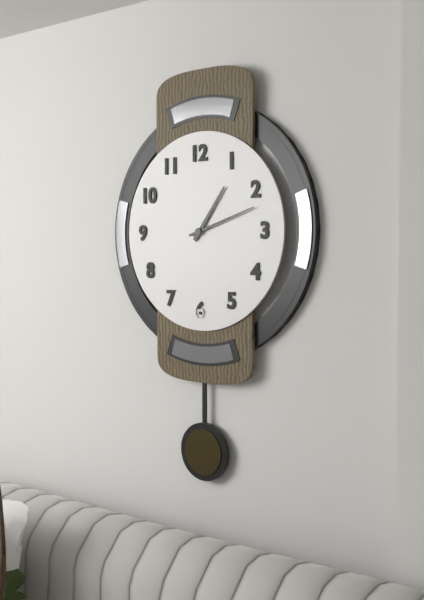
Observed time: **1:12**
